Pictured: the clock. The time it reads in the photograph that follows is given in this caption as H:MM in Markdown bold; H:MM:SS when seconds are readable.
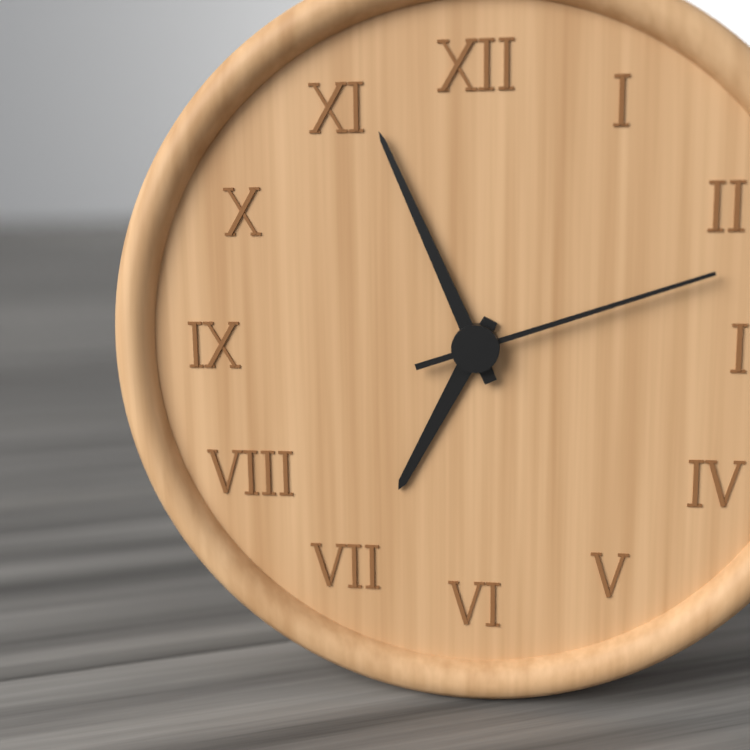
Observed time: **6:56:12**
